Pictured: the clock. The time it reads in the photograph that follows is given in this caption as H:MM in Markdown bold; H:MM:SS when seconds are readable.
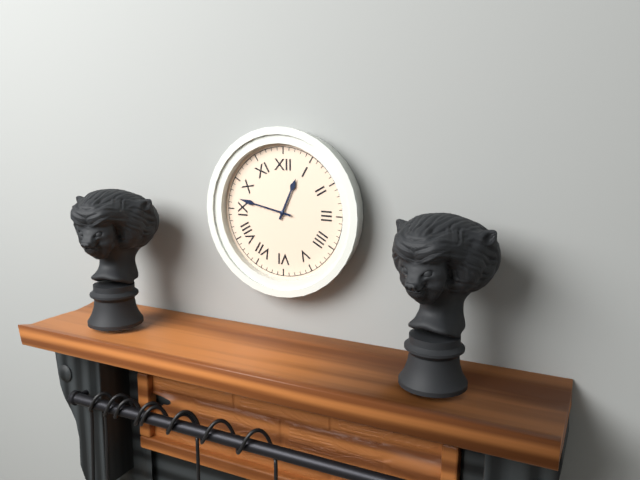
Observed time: **12:47**
